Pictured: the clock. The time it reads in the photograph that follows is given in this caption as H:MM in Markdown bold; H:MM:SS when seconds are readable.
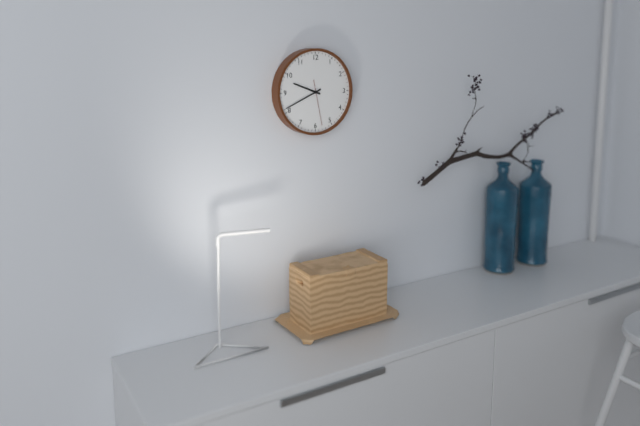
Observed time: **9:41**
